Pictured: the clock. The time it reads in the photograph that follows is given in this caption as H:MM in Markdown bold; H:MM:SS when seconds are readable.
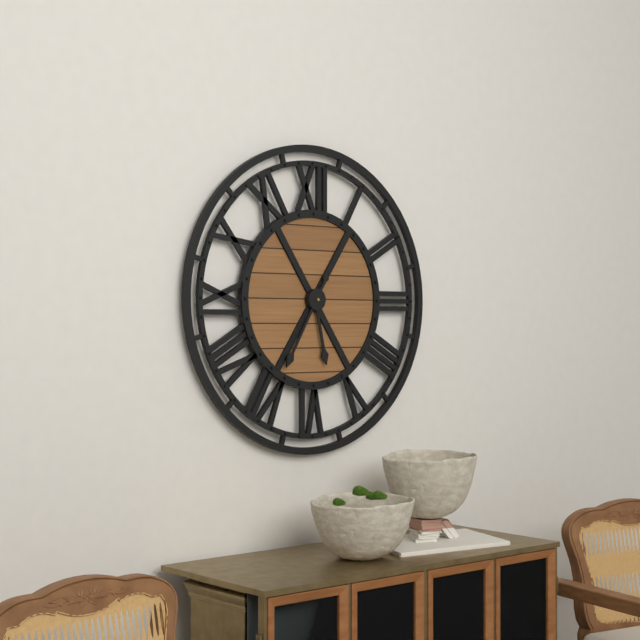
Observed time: **5:35**
